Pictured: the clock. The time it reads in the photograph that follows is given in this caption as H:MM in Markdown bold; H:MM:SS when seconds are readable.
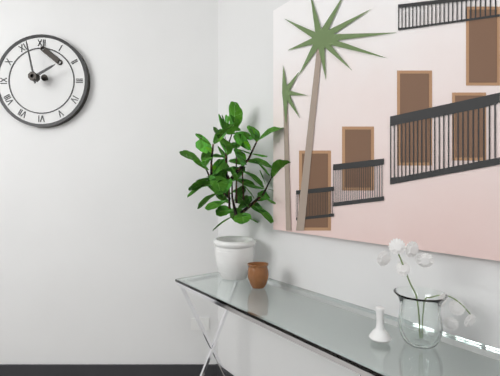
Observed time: **1:58**
